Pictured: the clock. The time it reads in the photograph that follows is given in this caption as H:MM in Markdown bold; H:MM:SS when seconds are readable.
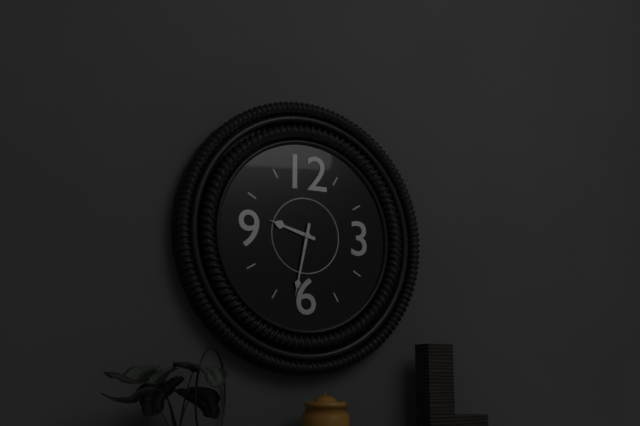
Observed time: **9:32**
